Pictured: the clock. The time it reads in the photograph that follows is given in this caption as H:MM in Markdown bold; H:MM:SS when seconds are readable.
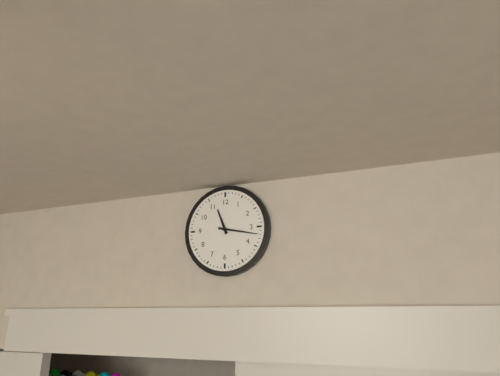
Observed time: **11:17**
